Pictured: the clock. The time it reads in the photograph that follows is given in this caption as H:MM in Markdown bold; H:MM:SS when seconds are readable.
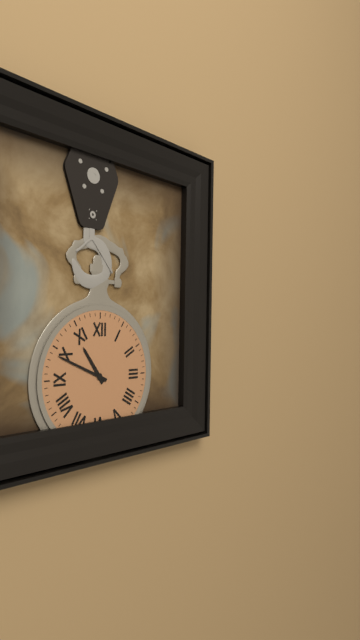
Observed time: **10:49**
